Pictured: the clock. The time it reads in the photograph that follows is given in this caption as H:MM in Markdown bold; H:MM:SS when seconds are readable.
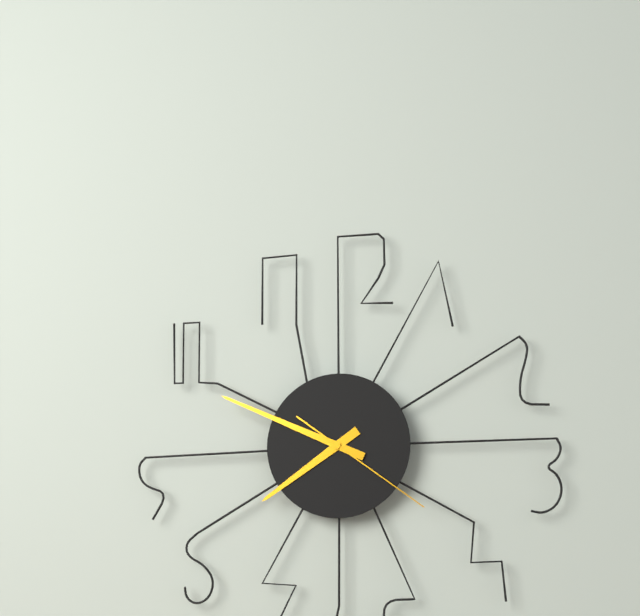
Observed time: **7:49:21**
